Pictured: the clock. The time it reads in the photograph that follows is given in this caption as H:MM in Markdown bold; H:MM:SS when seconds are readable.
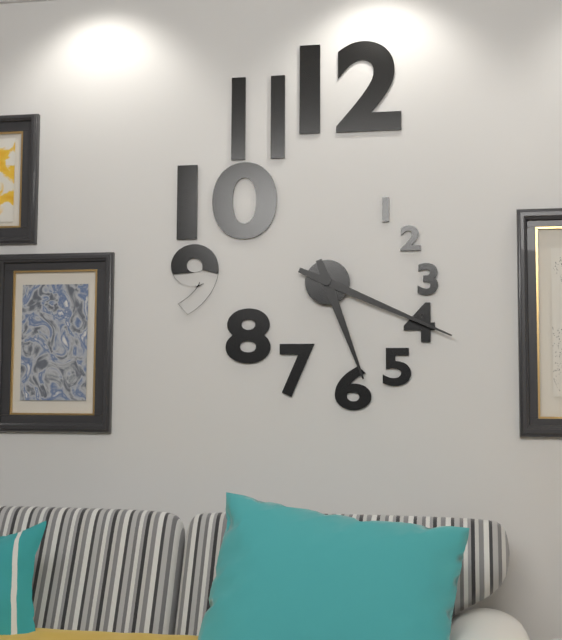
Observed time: **5:19**
